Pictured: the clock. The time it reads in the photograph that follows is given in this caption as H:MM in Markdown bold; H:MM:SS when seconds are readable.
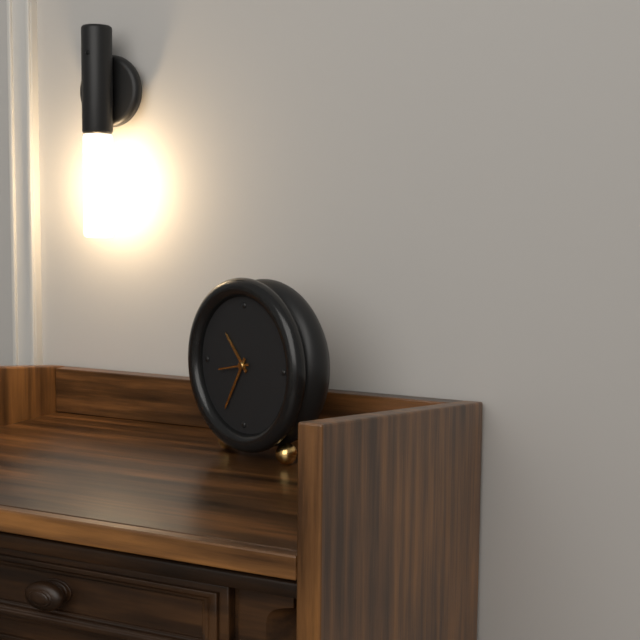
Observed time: **10:35**
